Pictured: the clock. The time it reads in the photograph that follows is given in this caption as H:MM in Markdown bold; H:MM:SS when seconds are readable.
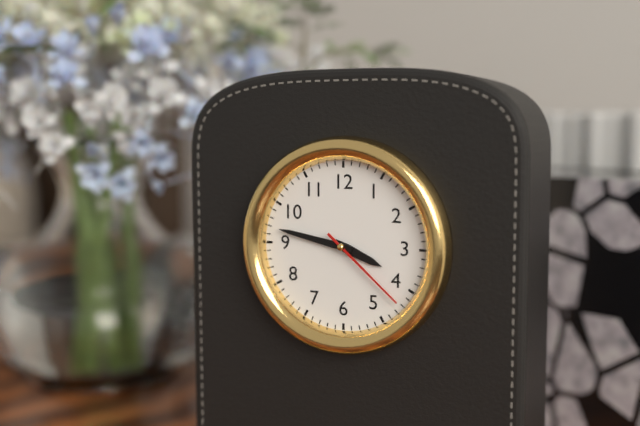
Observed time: **3:47:22**
